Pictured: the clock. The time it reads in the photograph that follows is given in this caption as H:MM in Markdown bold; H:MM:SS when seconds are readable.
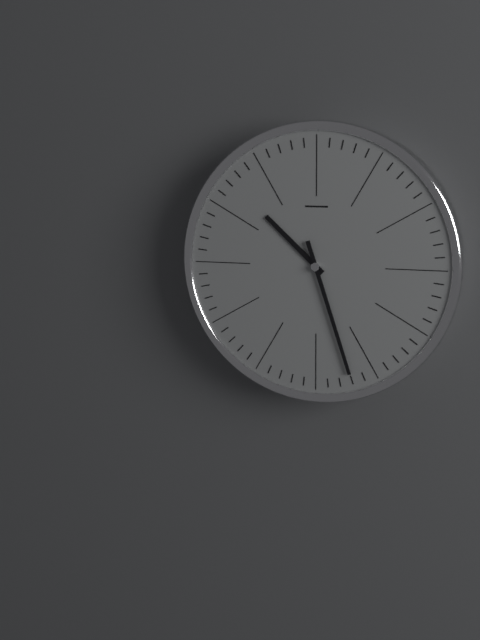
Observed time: **10:27**
